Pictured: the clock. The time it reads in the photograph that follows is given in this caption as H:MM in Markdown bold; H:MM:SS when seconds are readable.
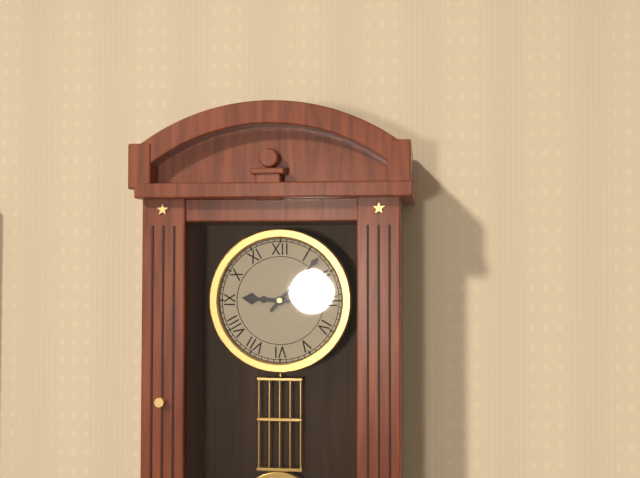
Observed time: **9:07**
